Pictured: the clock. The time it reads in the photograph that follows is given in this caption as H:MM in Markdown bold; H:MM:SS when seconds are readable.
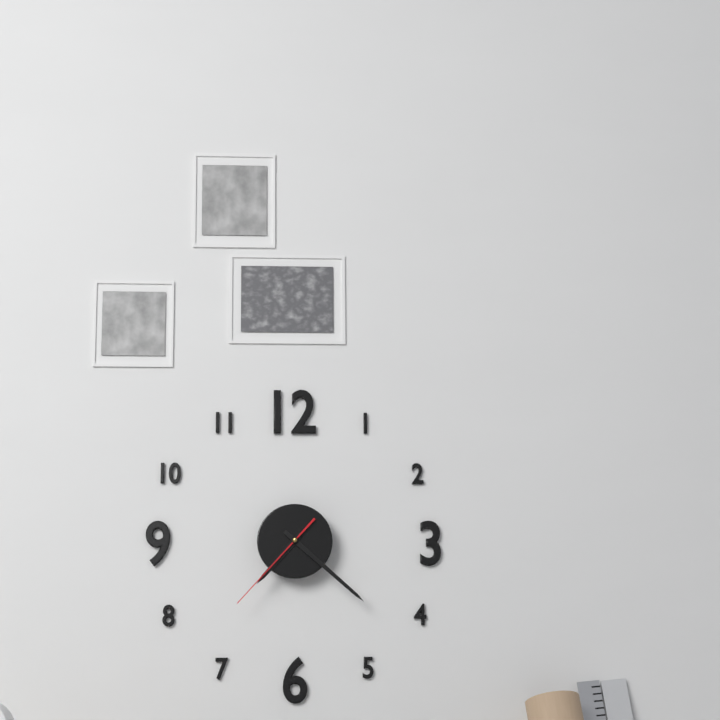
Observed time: **7:22:37**
